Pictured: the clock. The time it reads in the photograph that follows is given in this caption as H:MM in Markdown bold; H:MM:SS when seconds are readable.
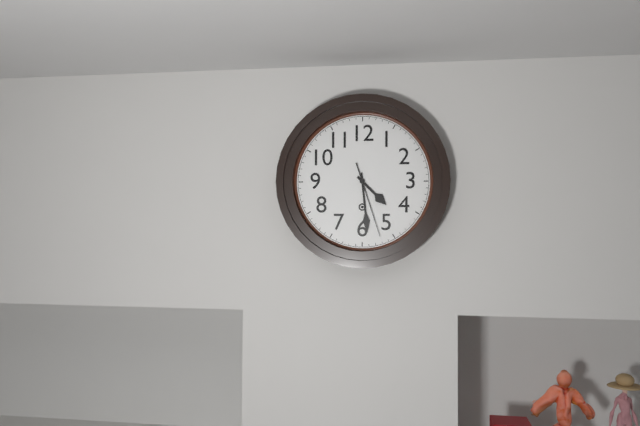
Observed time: **4:29:27**
